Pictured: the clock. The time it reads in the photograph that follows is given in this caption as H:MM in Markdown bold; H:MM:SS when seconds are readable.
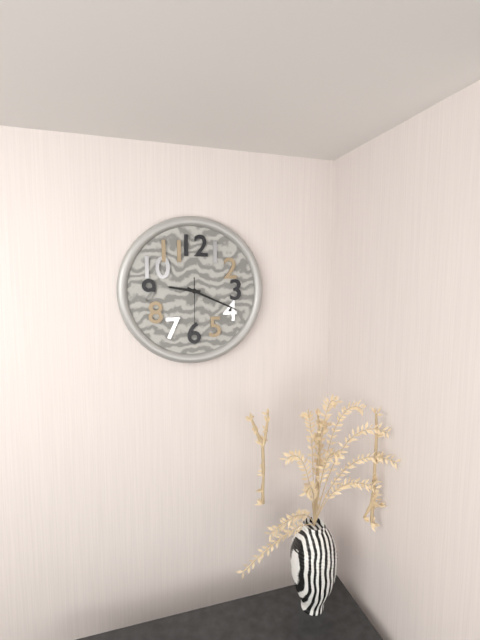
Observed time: **9:19**
